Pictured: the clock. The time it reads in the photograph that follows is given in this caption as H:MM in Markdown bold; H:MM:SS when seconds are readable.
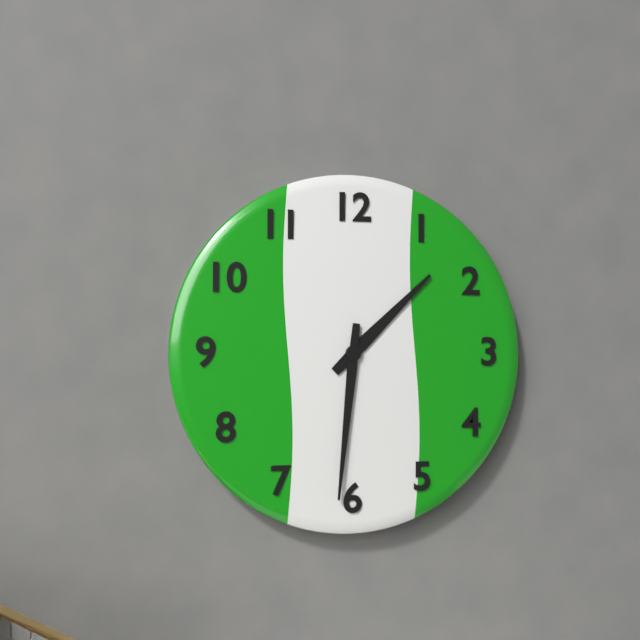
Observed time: **1:31**
